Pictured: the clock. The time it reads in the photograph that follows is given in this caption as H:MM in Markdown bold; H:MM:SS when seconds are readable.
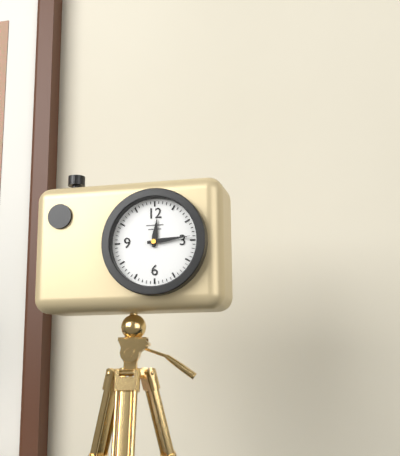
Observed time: **12:14**
